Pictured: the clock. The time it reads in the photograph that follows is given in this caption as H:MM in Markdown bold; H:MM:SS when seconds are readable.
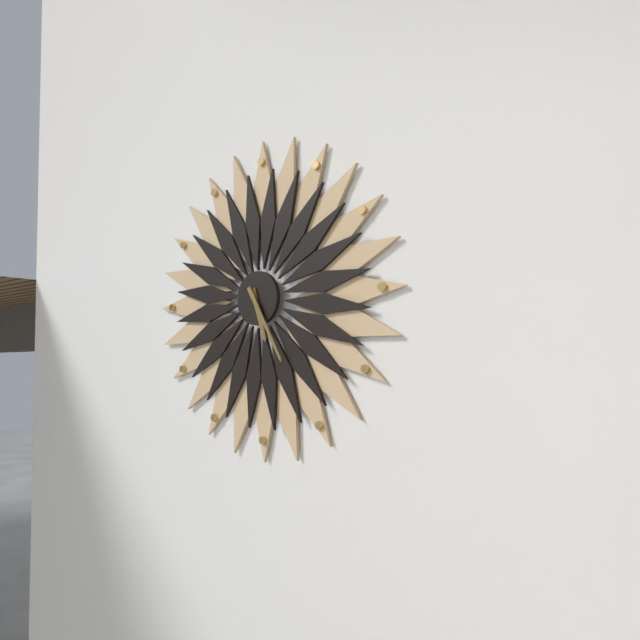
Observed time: **5:25**
